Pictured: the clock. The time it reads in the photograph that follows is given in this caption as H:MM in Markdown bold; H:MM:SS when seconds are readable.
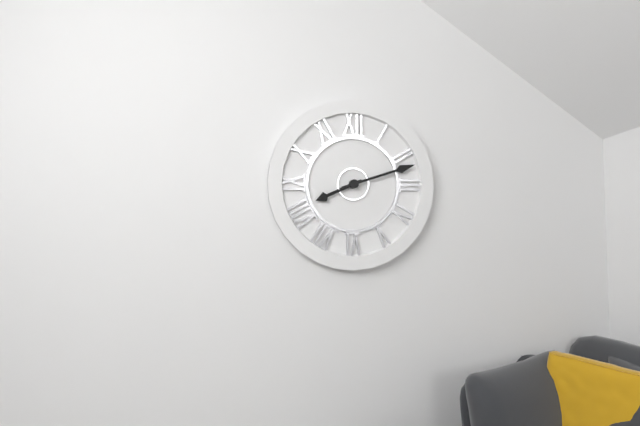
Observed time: **8:12**
